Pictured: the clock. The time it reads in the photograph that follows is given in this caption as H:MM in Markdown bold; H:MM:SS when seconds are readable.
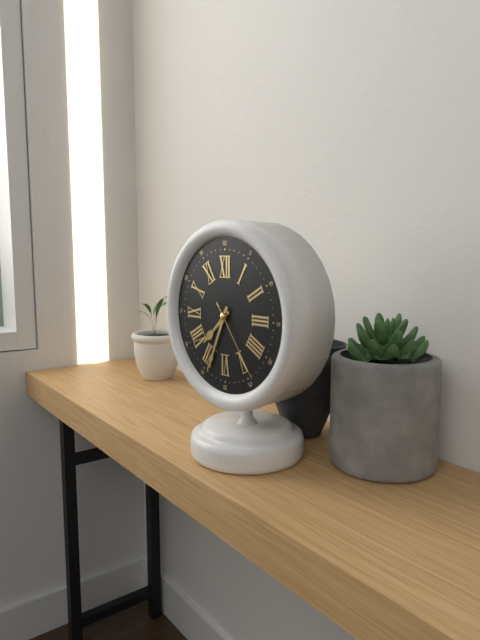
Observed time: **7:34:24**
